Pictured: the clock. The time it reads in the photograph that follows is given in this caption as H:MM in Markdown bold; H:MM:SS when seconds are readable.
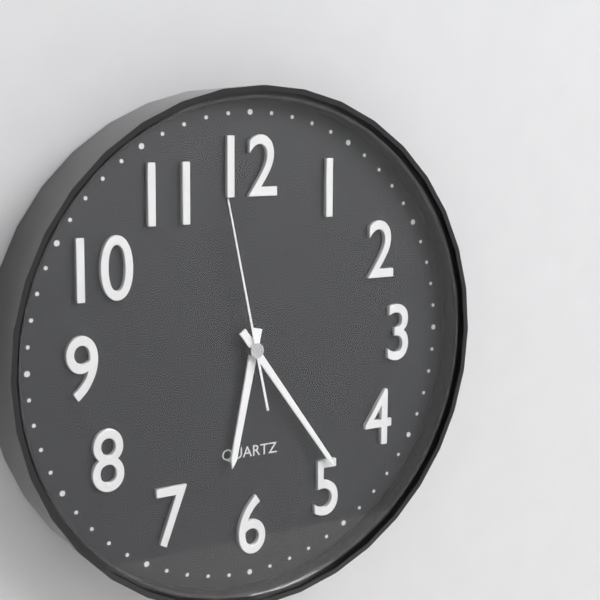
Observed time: **6:24:58**
